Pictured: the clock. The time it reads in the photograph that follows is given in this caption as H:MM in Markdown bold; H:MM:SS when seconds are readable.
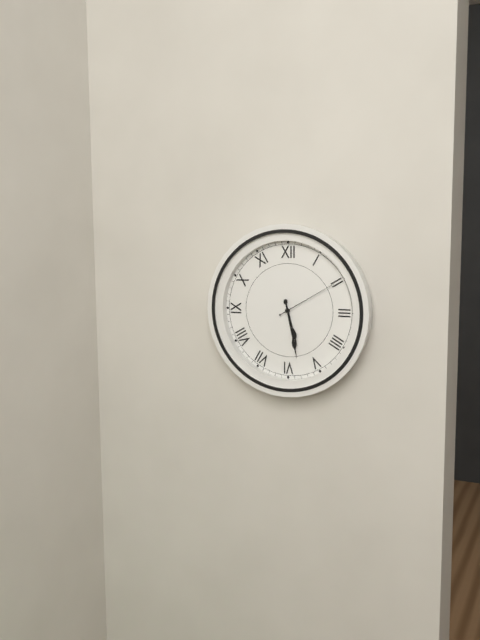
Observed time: **5:28:10**
